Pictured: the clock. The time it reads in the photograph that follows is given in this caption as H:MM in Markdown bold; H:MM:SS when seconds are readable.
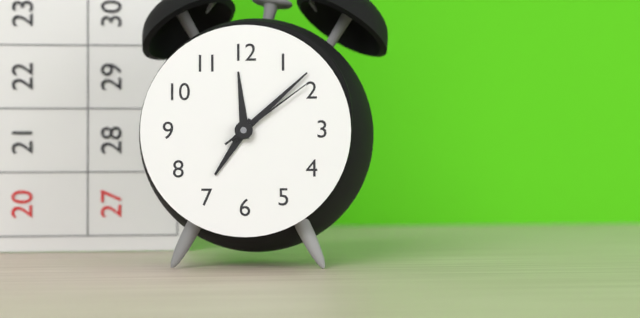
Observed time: **7:08:09**
